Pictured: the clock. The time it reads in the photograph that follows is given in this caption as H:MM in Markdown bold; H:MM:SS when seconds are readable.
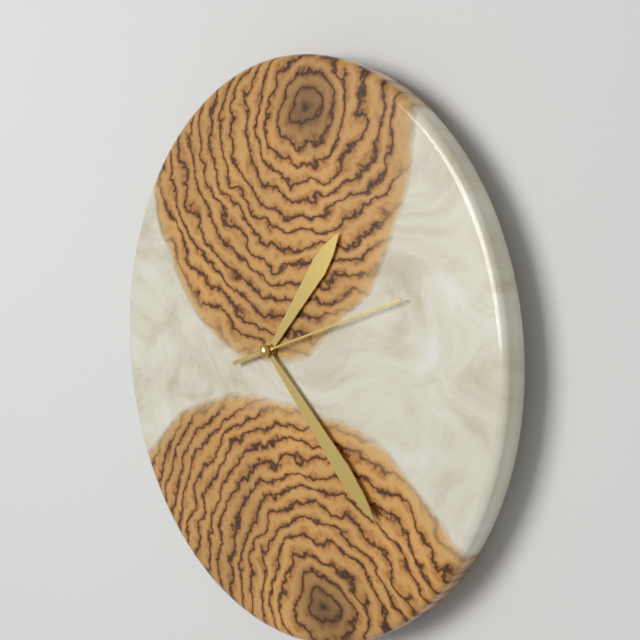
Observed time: **1:22:12**
